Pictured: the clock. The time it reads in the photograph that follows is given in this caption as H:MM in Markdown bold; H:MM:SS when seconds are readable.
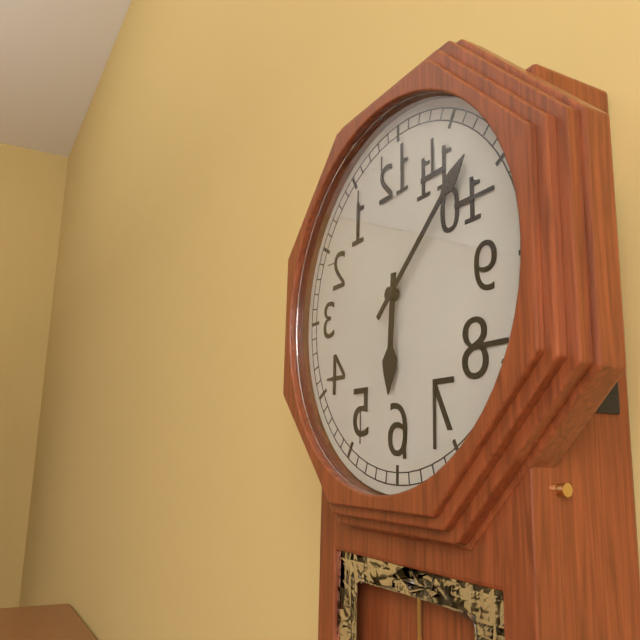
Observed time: **6:08**
